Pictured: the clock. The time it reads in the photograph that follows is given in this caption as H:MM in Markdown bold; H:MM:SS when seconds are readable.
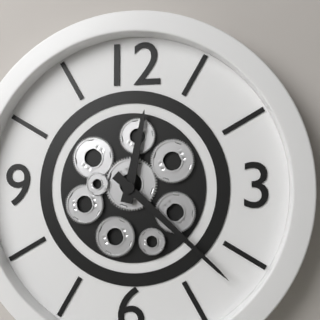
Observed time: **12:22**
